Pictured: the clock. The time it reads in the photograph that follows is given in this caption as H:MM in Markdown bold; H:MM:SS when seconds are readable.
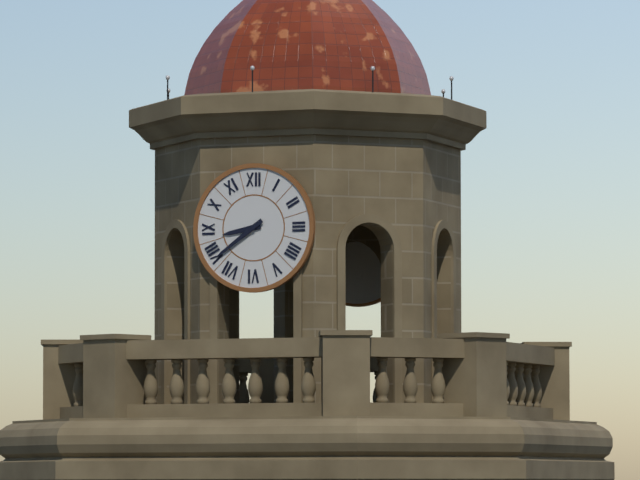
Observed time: **8:39**
